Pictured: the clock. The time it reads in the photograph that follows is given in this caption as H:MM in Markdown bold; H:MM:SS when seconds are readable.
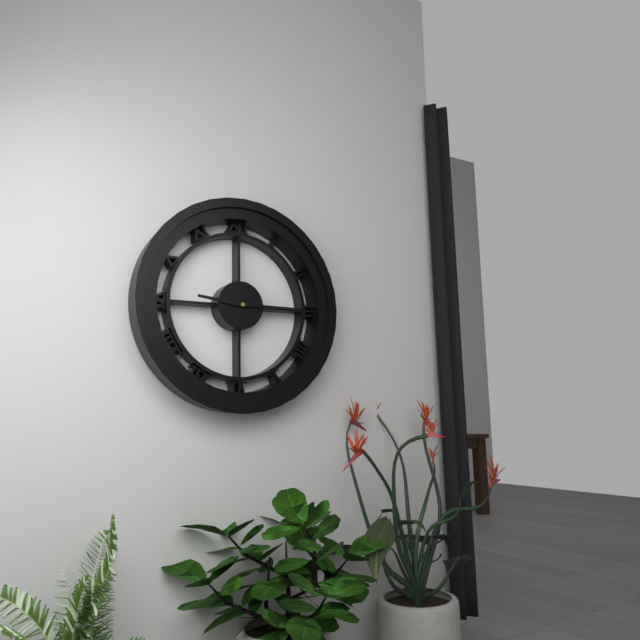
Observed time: **9:15**
